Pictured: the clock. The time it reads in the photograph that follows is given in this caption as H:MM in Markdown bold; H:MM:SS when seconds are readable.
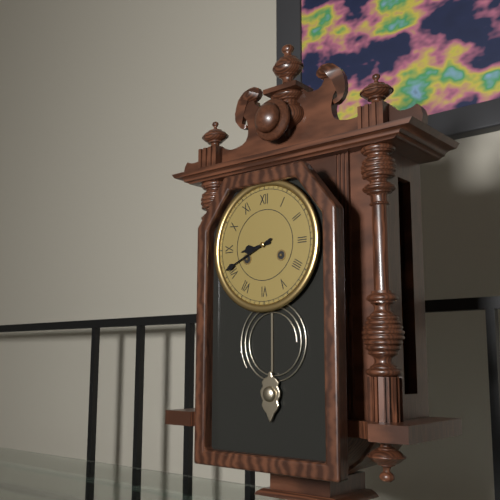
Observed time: **8:41**
